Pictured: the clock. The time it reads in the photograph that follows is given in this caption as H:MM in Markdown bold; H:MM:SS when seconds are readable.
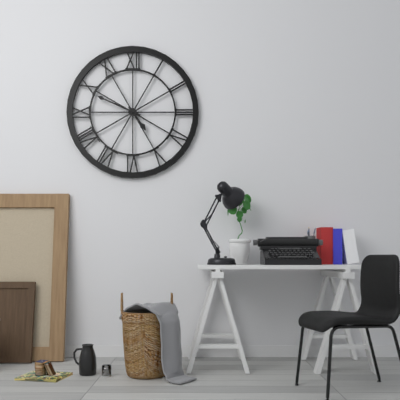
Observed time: **4:49**
